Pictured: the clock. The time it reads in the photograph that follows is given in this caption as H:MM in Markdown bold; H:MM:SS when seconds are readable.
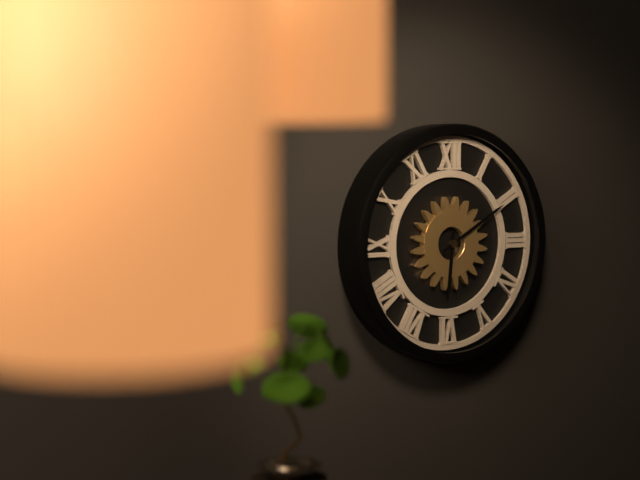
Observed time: **6:10**
